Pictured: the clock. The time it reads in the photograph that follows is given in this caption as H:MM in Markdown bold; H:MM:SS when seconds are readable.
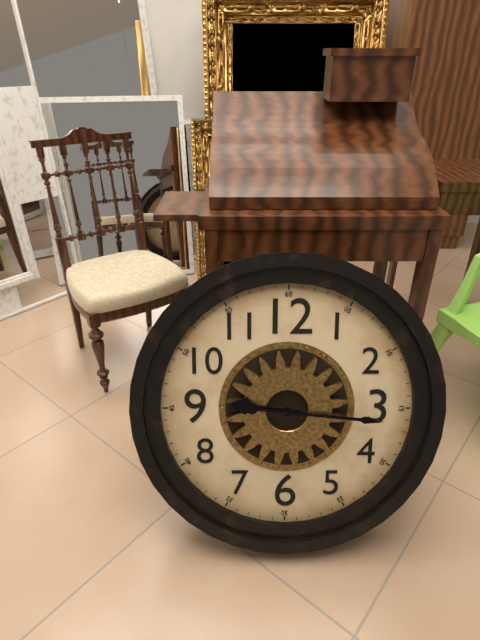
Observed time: **9:16**
